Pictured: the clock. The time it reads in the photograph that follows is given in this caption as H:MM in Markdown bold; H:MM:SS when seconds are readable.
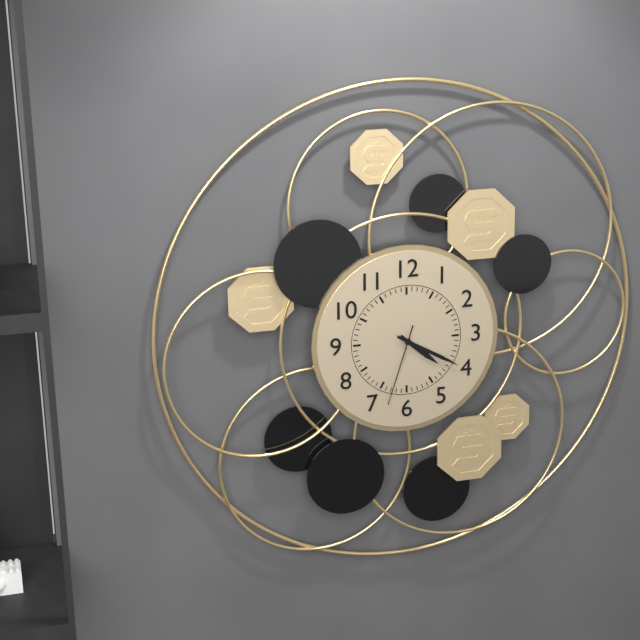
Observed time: **4:20:33**
